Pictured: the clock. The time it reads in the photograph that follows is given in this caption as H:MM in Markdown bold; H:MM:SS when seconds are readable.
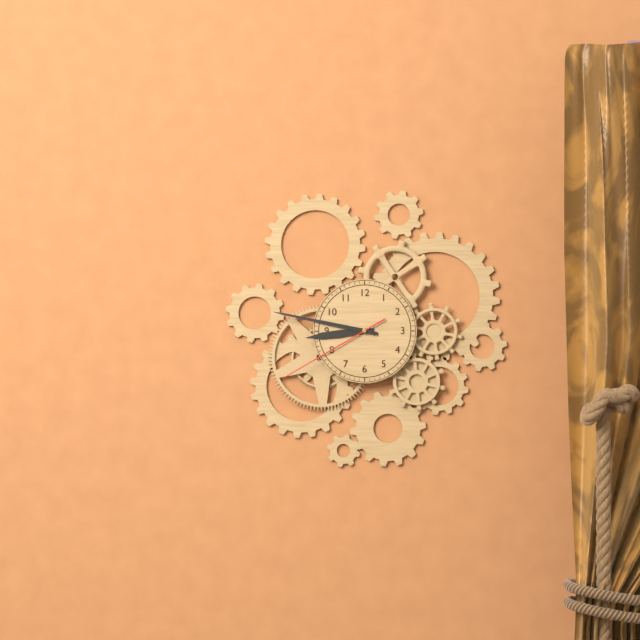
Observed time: **8:47:40**
